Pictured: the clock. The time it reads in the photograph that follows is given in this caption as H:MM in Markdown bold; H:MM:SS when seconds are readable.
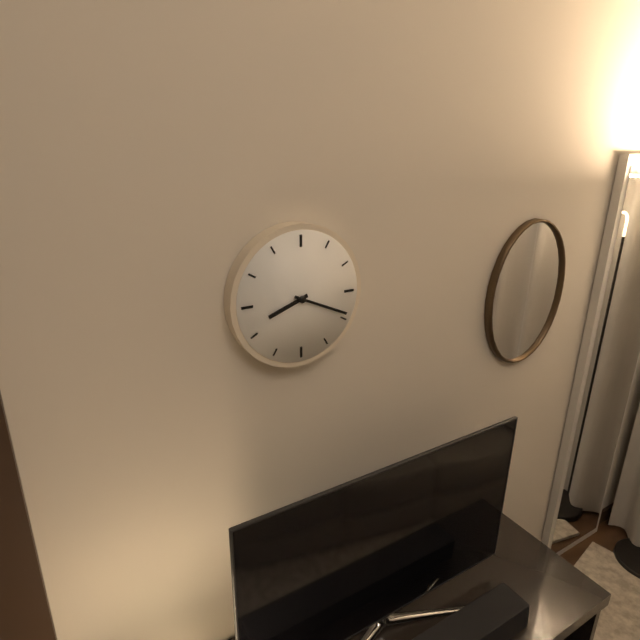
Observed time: **8:19**
